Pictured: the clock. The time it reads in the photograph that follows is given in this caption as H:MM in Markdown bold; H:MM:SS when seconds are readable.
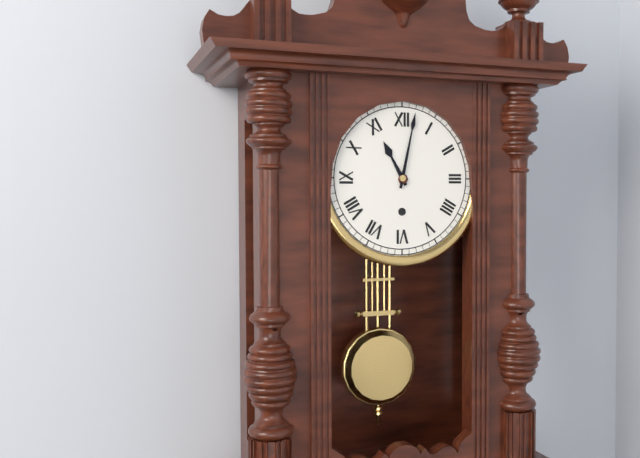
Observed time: **11:02**
